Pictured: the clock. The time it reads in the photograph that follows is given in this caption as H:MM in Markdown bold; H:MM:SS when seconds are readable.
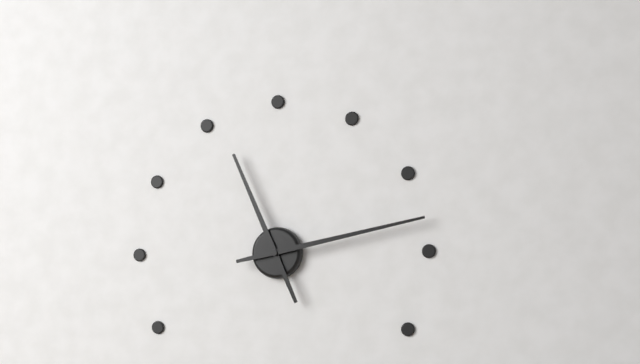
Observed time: **11:13**
